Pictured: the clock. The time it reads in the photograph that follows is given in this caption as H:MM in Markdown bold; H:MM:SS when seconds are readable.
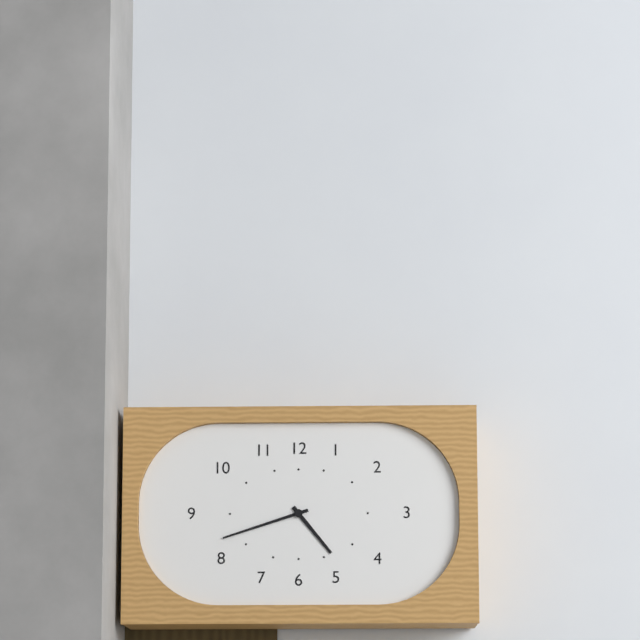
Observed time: **4:42**
